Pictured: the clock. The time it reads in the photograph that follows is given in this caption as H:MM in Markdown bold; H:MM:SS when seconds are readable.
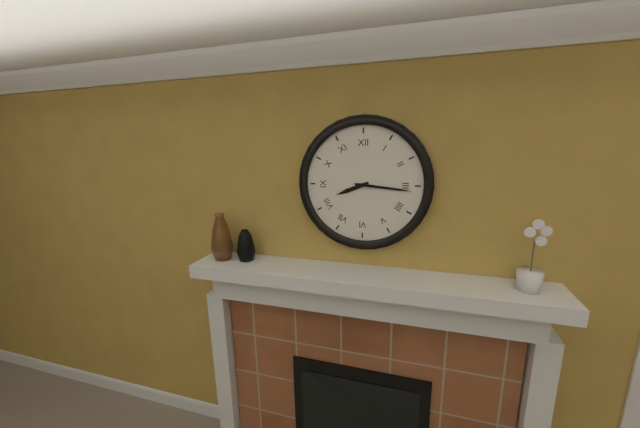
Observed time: **8:16**
